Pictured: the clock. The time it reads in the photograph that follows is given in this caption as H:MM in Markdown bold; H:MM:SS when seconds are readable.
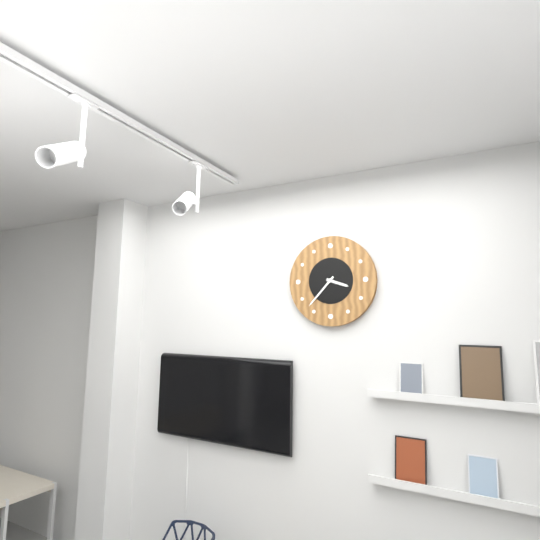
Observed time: **3:37**
